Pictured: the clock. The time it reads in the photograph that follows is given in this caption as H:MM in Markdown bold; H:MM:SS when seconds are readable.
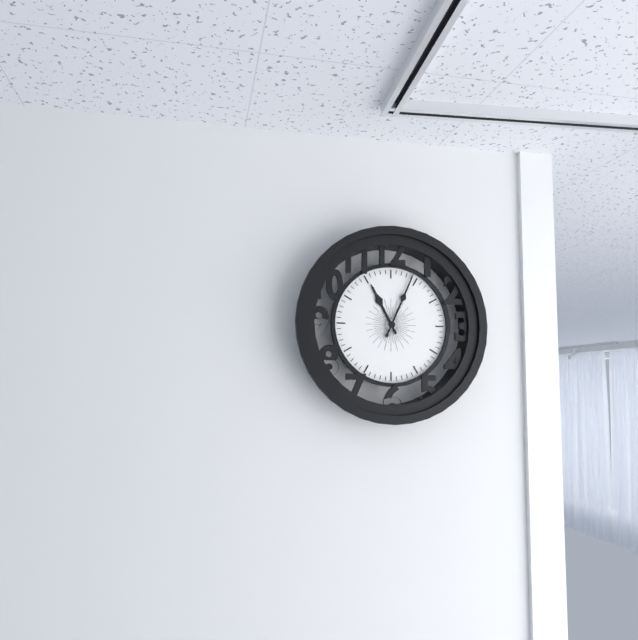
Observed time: **11:04**
